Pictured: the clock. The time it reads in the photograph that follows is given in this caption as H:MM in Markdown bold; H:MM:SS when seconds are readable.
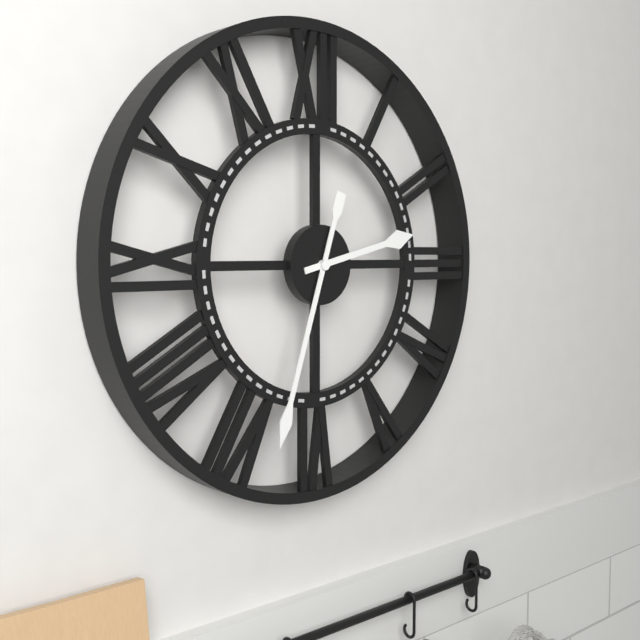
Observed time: **2:33**
